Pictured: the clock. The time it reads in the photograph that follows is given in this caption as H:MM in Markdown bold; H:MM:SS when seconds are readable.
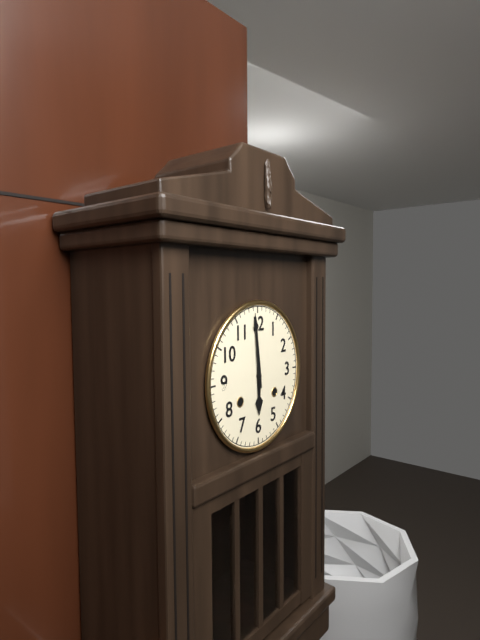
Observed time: **5:59**
